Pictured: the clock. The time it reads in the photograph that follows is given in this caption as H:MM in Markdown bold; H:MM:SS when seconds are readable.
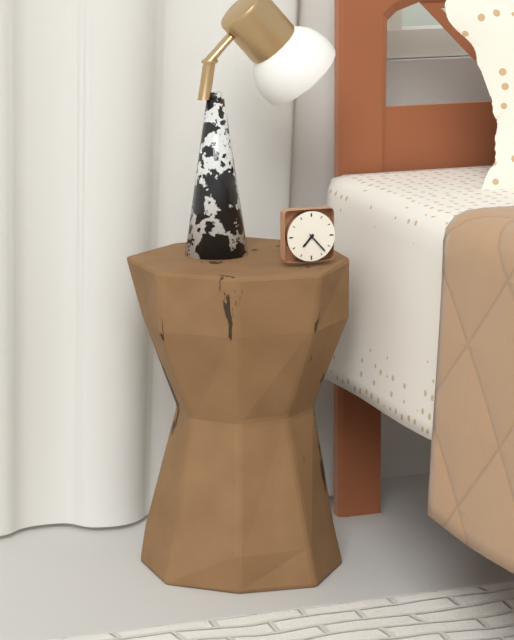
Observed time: **7:23**
